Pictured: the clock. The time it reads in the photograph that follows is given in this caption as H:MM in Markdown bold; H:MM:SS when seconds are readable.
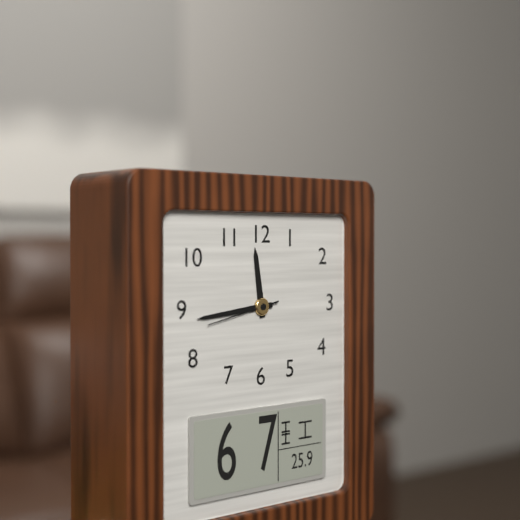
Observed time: **11:44:43**
